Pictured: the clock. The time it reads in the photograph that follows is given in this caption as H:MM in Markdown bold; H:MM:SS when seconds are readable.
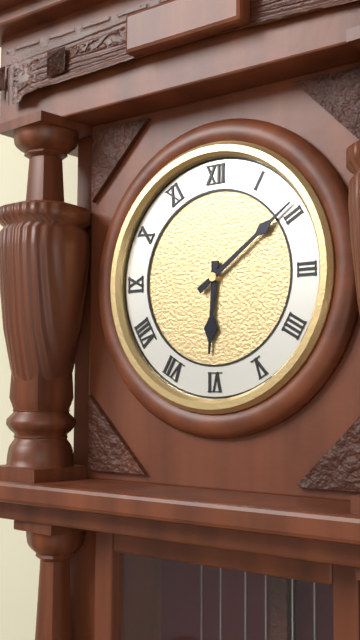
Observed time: **6:09**
